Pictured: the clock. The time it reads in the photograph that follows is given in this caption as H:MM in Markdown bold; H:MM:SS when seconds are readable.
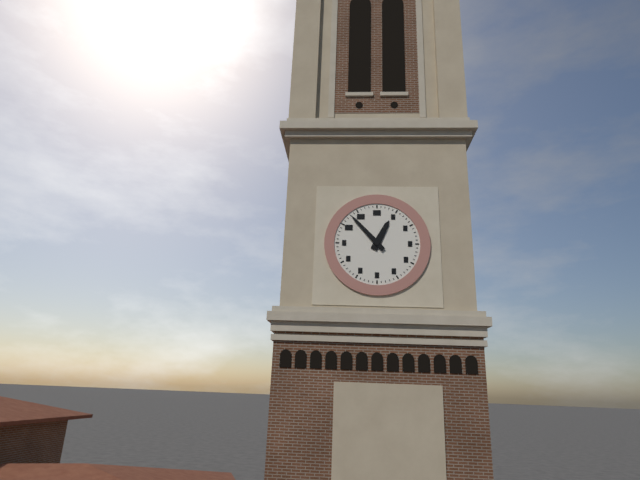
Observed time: **12:53**
